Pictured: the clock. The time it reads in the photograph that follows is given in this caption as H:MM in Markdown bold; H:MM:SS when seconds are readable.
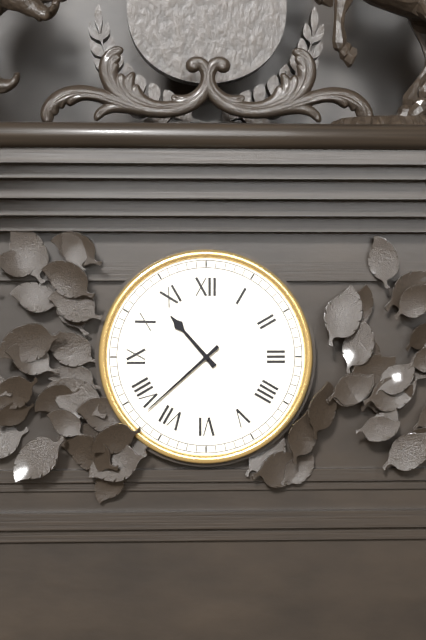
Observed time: **10:38**
